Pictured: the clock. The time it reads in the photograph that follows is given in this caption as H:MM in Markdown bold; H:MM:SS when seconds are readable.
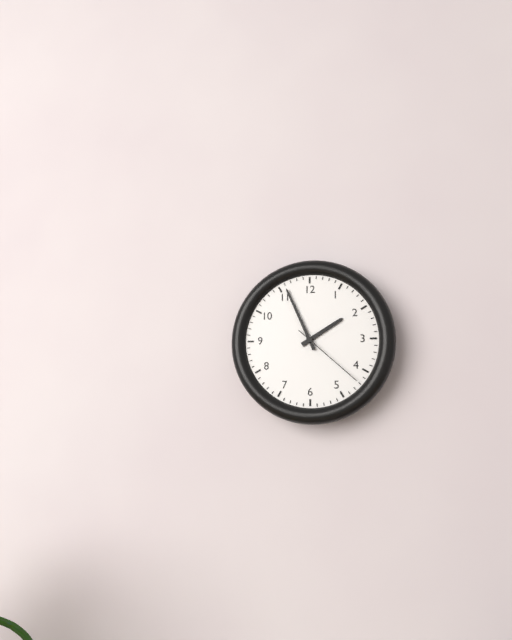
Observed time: **1:56:22**
